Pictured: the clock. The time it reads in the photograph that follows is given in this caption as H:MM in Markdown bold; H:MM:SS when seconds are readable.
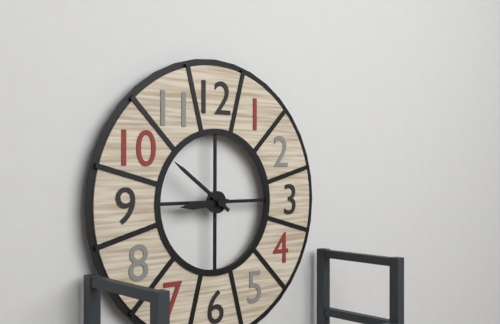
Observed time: **8:51**
